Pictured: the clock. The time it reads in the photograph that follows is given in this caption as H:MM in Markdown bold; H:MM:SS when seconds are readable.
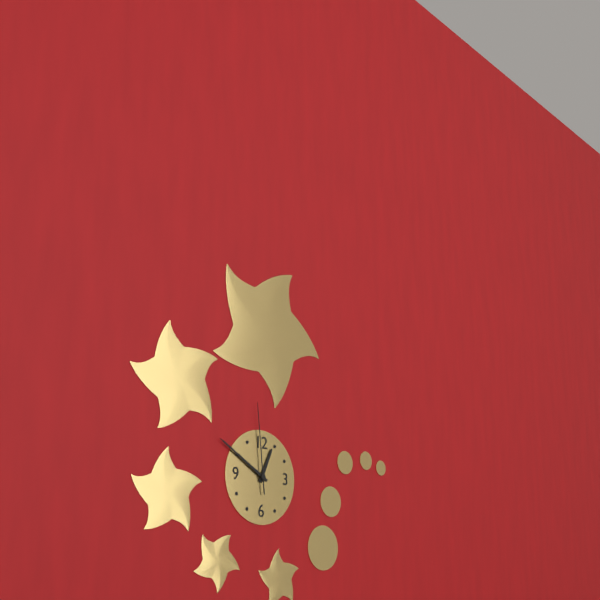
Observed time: **12:50:59**
